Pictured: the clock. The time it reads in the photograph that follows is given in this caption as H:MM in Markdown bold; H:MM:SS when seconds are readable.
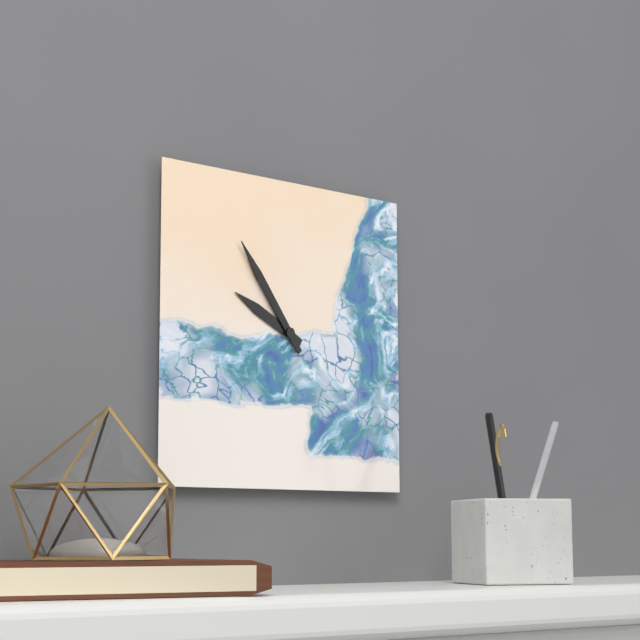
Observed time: **9:54**
